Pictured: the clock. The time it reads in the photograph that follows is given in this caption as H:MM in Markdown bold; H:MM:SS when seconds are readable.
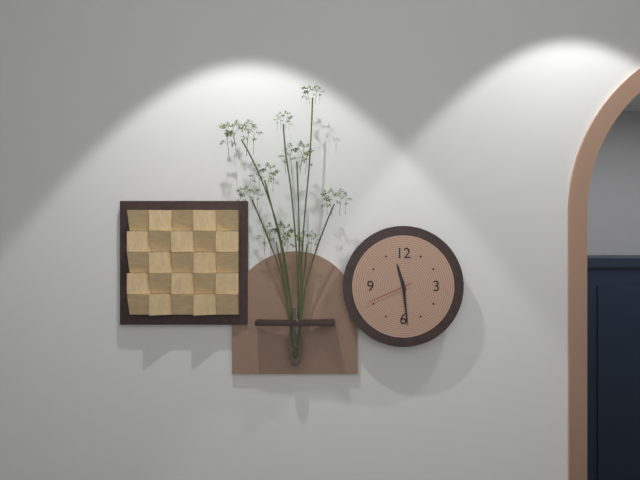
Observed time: **11:29:41**
